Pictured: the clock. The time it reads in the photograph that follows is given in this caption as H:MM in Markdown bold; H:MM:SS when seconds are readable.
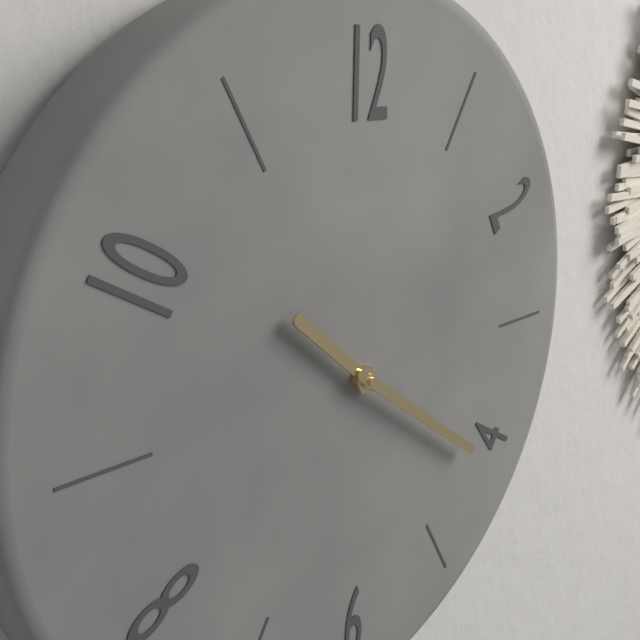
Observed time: **10:21**
